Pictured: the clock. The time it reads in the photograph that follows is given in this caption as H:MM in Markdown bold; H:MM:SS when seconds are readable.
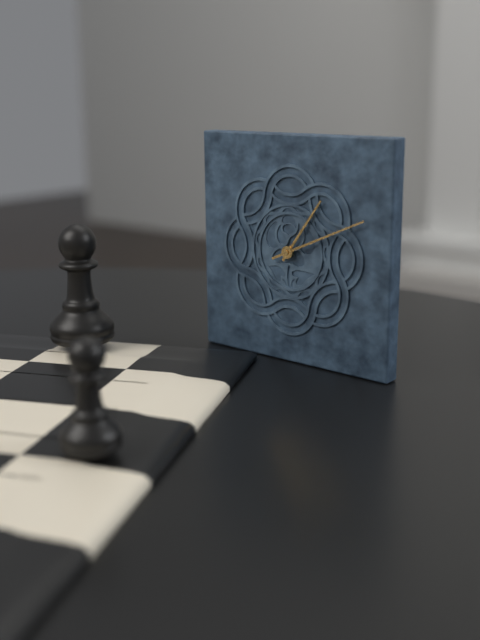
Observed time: **1:11**
